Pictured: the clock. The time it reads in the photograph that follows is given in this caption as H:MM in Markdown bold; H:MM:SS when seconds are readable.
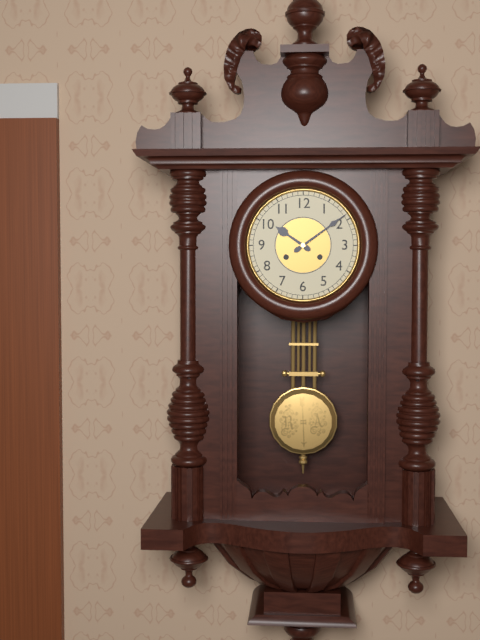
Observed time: **10:09**
